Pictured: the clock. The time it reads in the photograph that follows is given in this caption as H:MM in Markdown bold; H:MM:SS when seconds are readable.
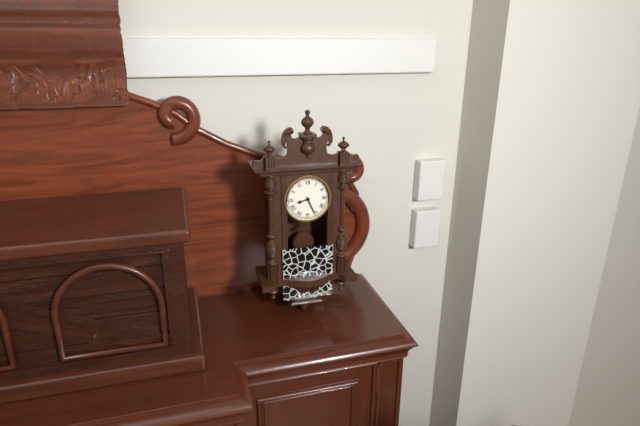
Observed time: **8:26**
